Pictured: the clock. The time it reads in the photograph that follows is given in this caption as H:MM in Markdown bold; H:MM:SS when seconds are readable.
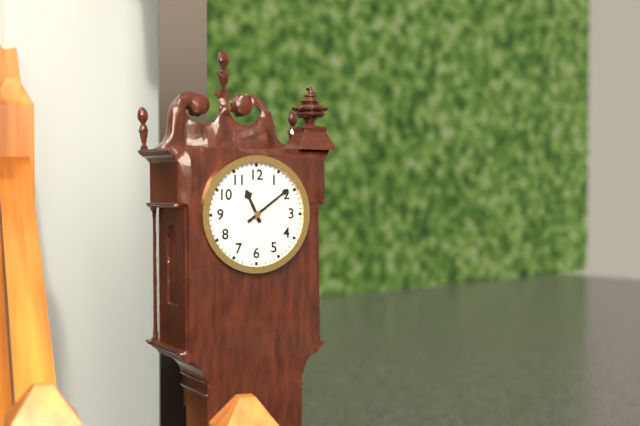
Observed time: **11:09**
